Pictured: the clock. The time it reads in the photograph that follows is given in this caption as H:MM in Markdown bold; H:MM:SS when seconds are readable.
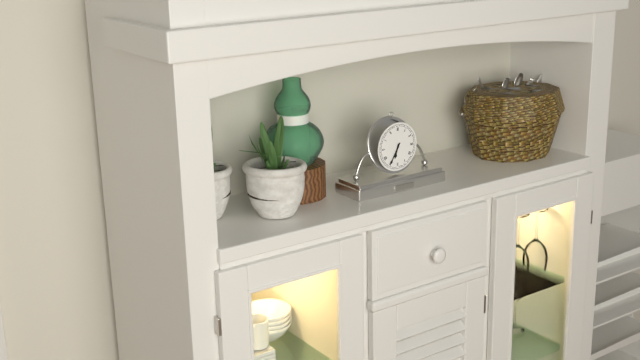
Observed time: **6:35**
